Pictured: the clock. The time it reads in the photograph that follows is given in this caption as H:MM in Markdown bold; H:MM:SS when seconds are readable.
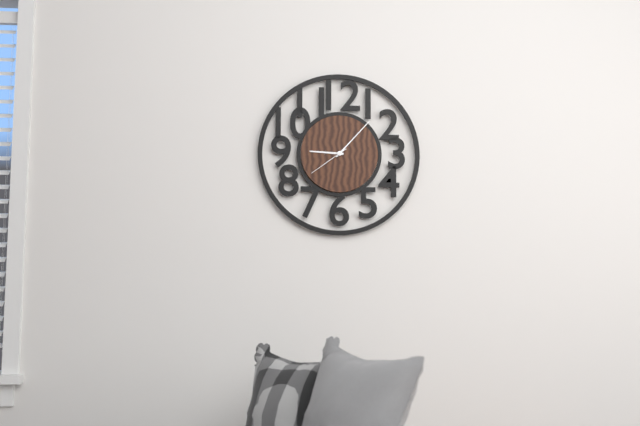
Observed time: **9:07**
